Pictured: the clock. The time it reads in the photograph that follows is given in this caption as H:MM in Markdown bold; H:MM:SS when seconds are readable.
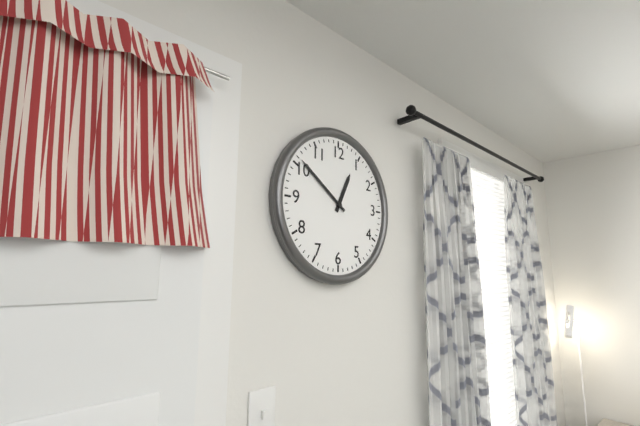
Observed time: **12:51**
